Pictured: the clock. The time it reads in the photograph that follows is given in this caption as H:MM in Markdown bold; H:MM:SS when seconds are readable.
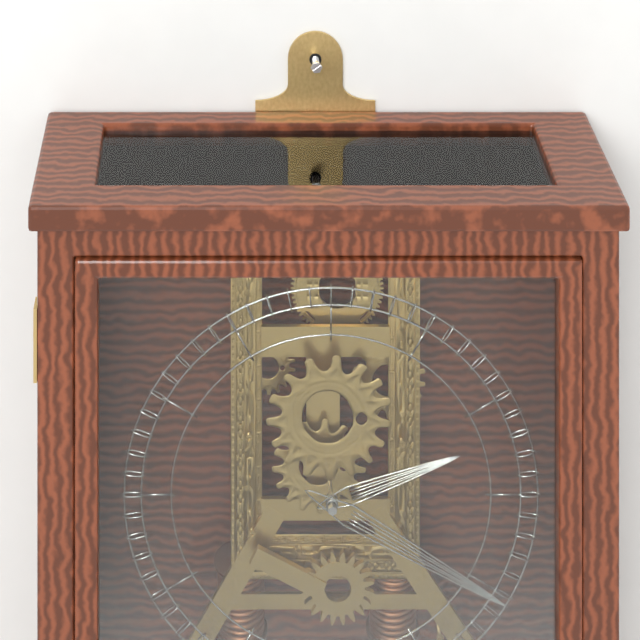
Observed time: **2:20**
